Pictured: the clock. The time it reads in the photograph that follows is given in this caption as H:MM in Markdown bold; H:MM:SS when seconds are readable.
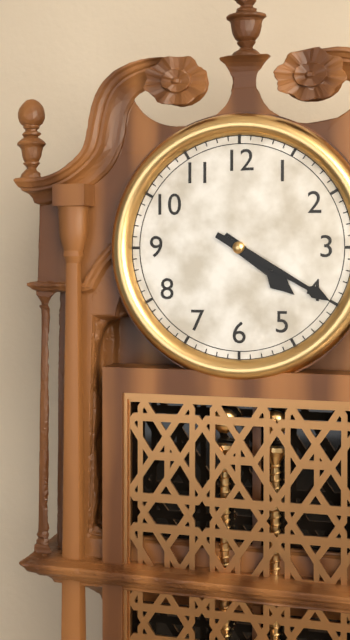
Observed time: **4:20**
